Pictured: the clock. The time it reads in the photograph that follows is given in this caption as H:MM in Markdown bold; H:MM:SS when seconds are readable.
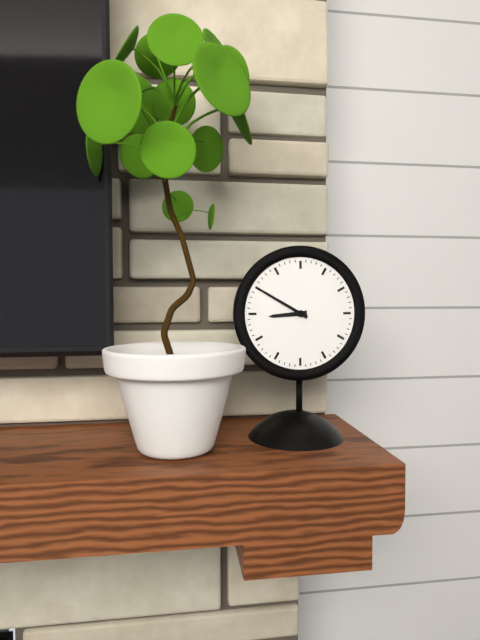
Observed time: **8:50**
